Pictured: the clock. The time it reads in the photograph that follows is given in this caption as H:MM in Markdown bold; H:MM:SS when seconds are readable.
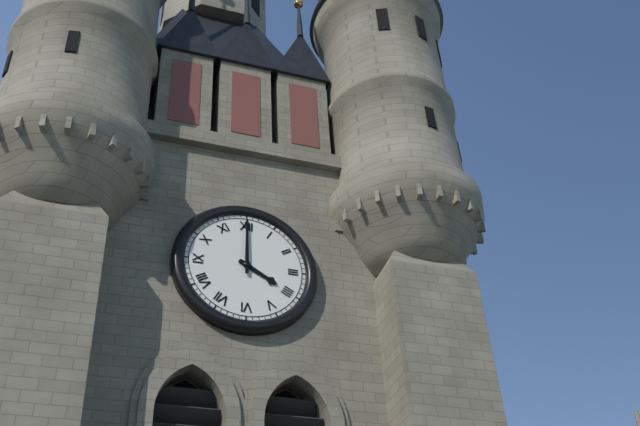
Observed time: **4:00**
